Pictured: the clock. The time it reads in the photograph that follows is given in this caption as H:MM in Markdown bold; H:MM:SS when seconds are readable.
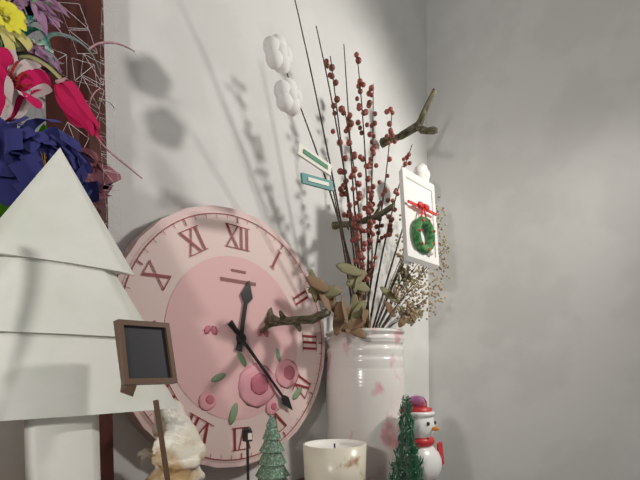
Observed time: **12:23**
